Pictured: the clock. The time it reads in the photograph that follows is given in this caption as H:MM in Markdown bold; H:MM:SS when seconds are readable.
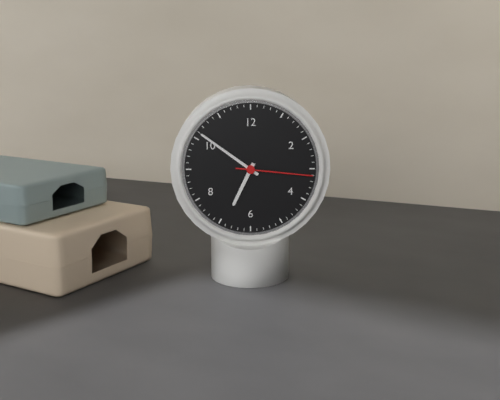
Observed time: **6:51:16**
